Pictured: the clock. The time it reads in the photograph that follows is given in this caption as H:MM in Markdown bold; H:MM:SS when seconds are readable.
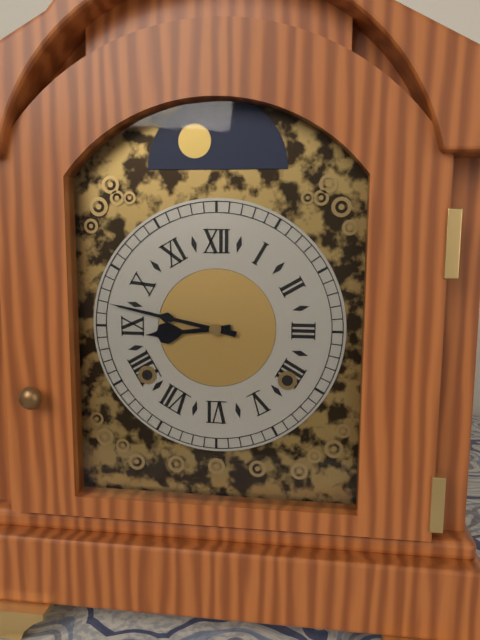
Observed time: **8:47**
